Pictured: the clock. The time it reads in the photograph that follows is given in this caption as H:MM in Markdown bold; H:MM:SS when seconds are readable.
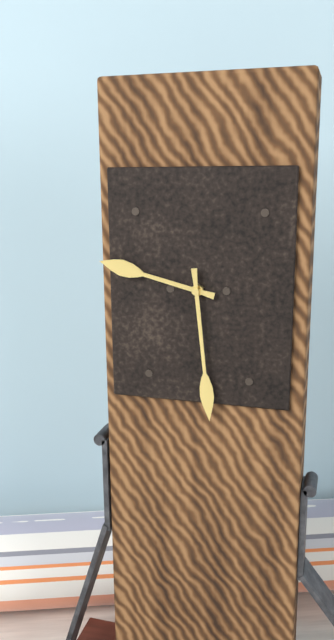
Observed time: **9:29**
